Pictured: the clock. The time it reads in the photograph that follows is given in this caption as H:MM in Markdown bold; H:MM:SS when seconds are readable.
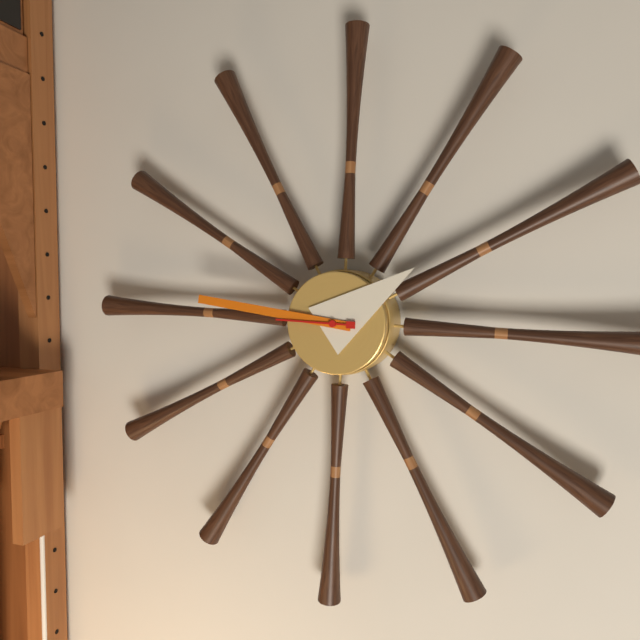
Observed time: **1:46:45**
